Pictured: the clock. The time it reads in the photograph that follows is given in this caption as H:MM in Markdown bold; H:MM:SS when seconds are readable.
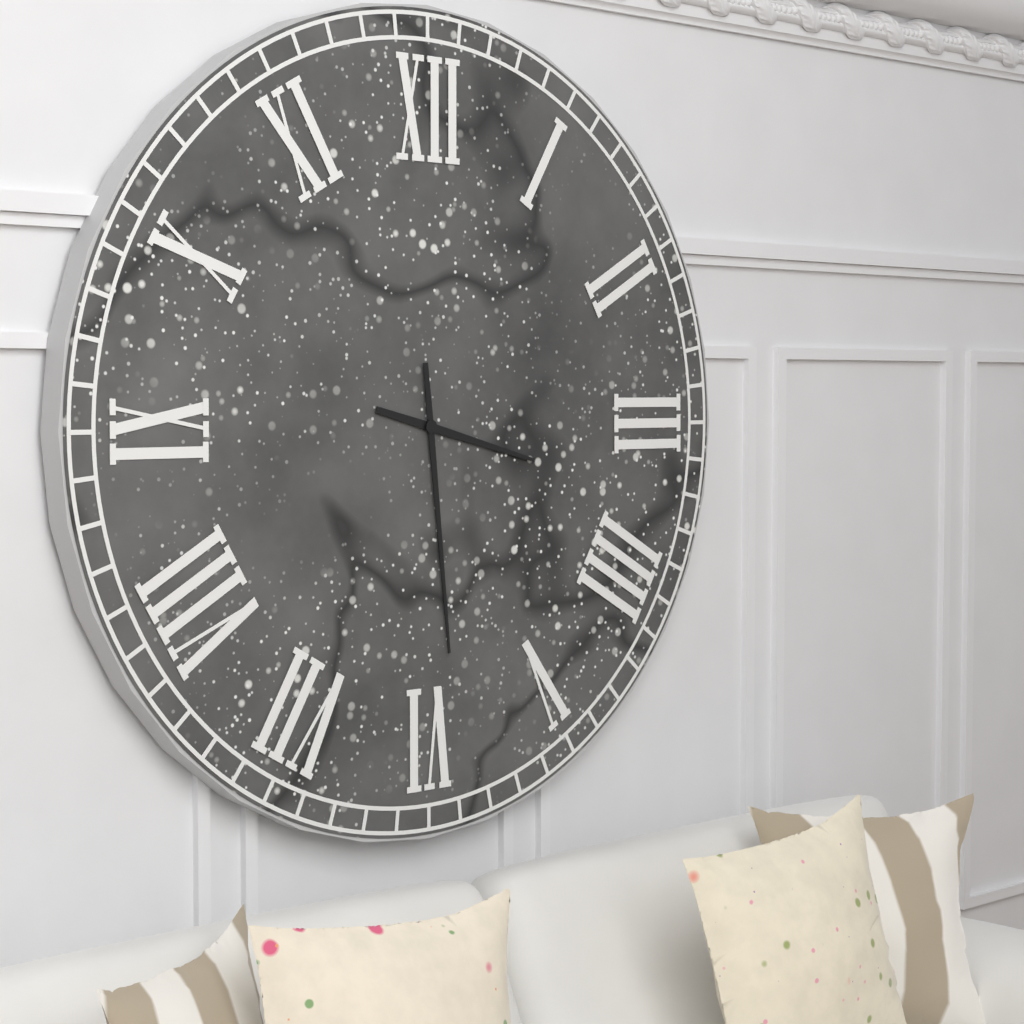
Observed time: **3:29**
